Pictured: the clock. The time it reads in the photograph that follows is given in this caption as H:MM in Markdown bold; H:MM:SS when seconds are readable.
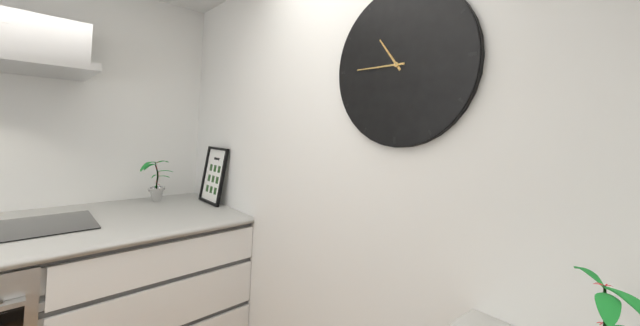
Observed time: **10:45**
